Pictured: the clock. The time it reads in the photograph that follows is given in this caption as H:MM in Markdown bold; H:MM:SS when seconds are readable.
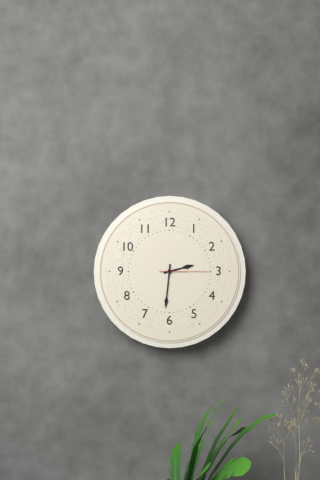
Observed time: **2:31:15**
